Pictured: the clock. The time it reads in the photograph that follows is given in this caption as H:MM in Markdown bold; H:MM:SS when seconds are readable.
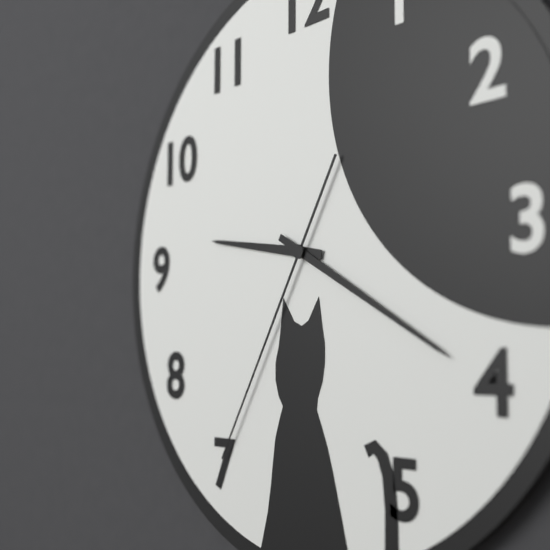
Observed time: **9:20:35**
